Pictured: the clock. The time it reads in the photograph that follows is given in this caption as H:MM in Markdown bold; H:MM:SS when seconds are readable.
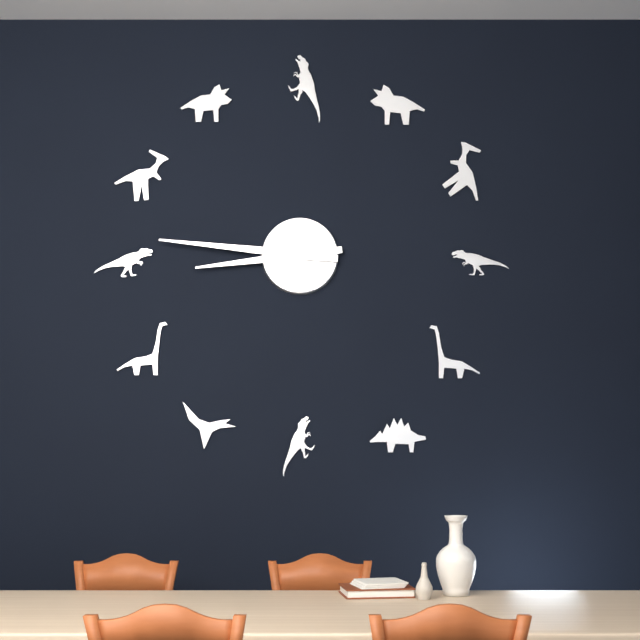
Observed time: **8:46**
